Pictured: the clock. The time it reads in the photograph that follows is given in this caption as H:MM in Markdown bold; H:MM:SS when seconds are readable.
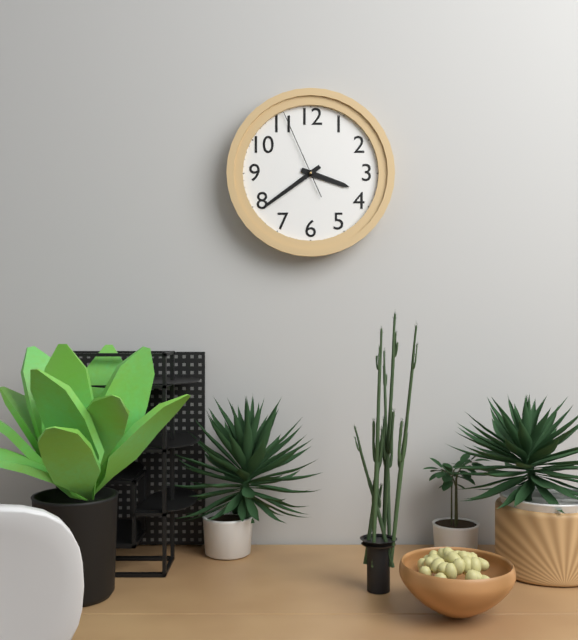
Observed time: **3:39:56**
